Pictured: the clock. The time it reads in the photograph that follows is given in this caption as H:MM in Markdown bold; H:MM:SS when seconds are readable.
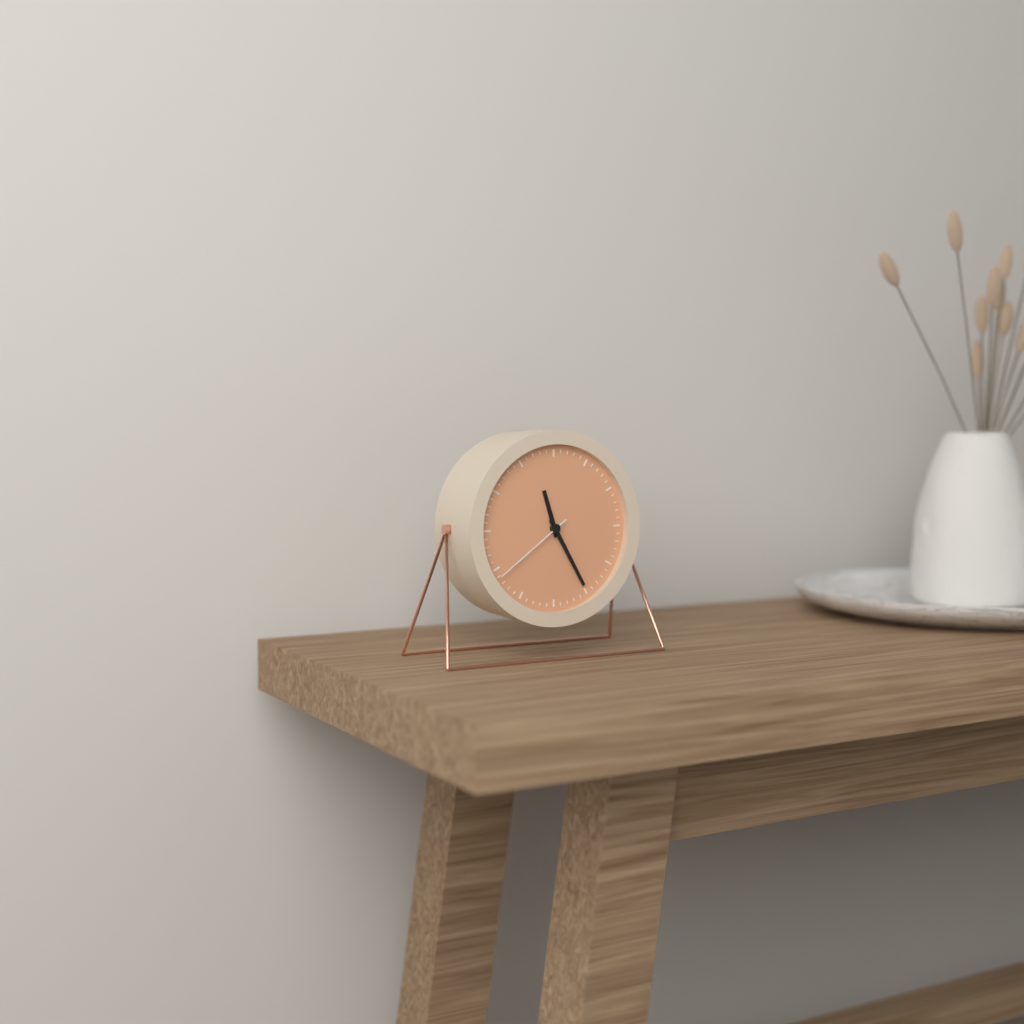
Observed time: **11:25:39**
